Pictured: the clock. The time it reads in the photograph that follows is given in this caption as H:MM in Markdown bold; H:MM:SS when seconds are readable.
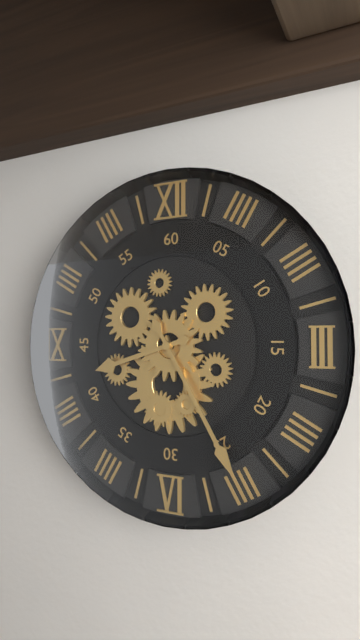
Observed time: **8:25**
